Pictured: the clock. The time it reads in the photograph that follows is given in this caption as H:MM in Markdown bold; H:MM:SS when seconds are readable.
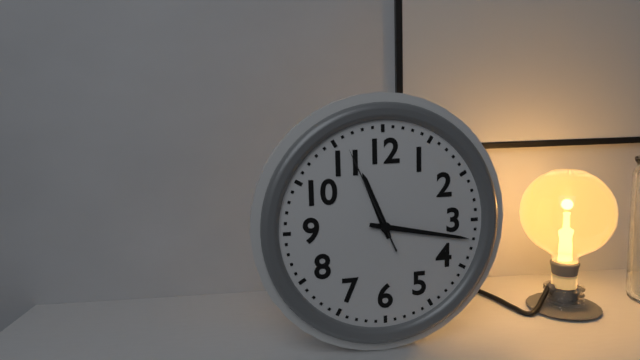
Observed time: **11:17:56**
